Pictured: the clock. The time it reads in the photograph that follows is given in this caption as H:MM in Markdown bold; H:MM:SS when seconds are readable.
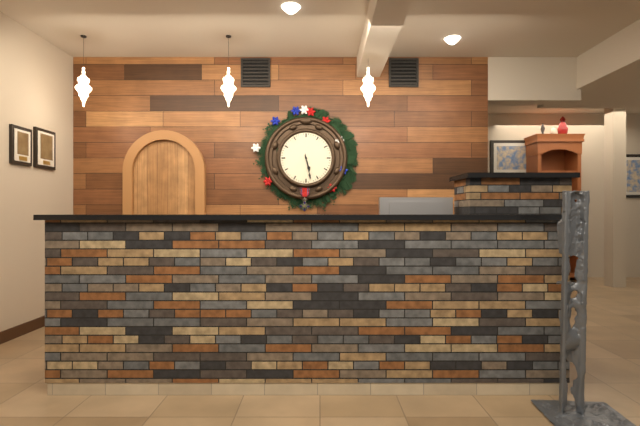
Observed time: **5:28**
